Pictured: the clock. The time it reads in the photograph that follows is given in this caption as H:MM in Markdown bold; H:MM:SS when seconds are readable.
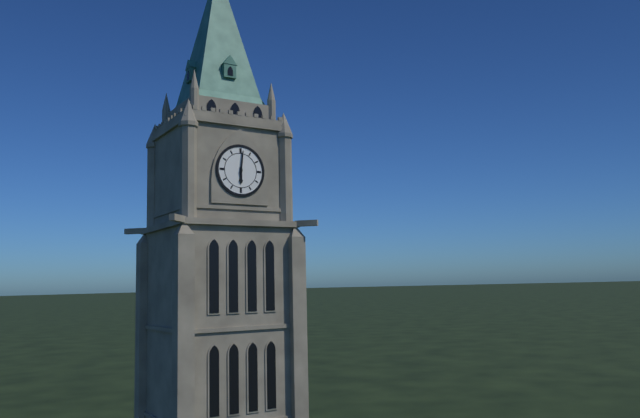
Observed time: **6:01**
